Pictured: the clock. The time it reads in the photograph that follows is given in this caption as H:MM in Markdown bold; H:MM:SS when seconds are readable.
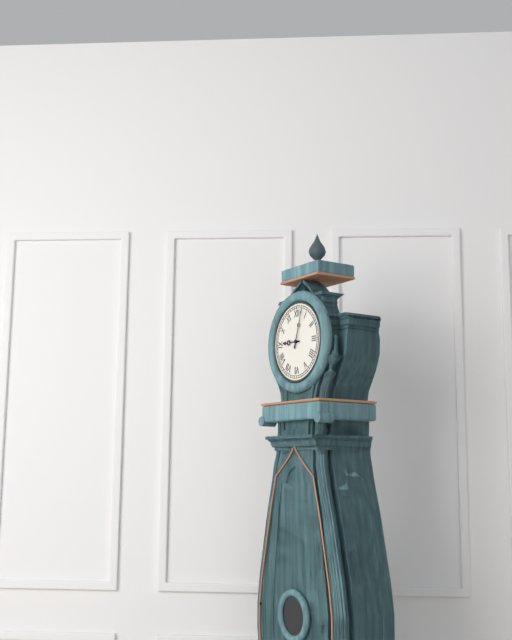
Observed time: **9:03**
